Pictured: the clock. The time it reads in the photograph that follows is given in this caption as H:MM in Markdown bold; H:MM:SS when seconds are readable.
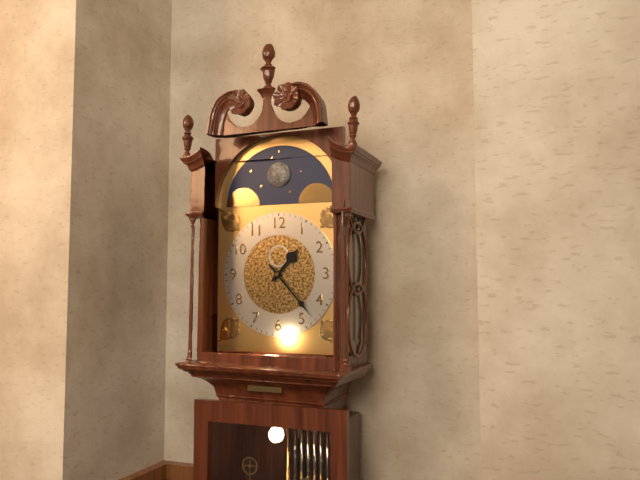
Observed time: **1:23**
